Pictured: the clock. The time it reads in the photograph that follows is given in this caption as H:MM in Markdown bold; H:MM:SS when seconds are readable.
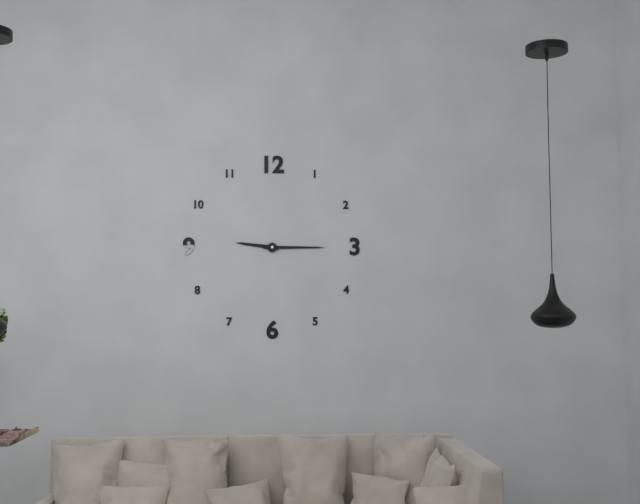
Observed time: **9:15**
